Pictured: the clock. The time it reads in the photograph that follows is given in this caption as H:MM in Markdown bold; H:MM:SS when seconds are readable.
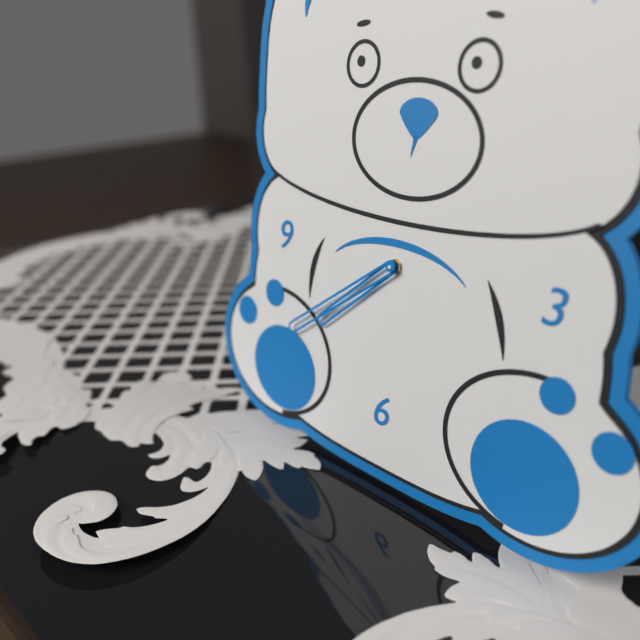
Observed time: **7:39**
